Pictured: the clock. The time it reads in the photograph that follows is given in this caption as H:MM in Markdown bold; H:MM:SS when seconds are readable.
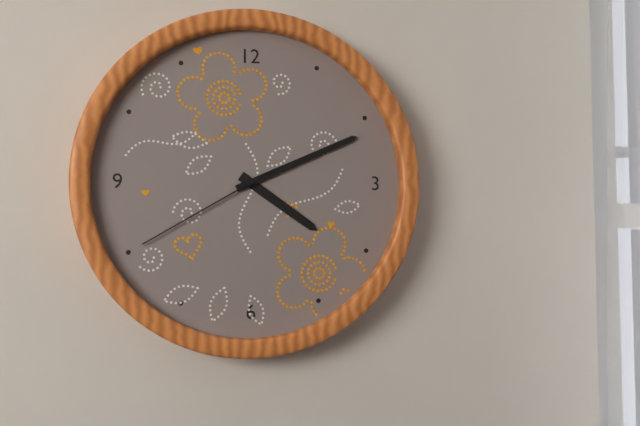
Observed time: **4:11:40**
